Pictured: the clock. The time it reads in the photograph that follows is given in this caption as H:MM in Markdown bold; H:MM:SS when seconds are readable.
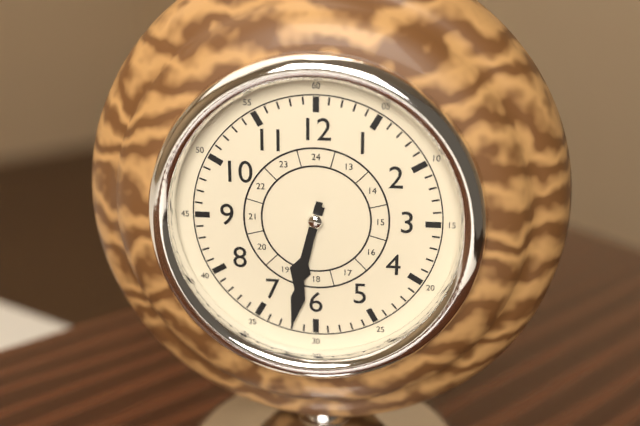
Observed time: **6:32**
